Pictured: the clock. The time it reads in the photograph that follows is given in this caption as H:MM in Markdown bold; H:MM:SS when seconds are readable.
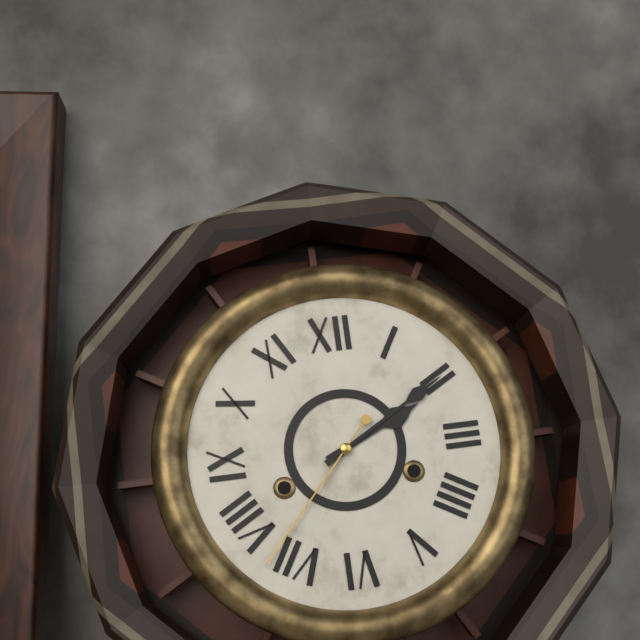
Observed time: **2:10:37**
